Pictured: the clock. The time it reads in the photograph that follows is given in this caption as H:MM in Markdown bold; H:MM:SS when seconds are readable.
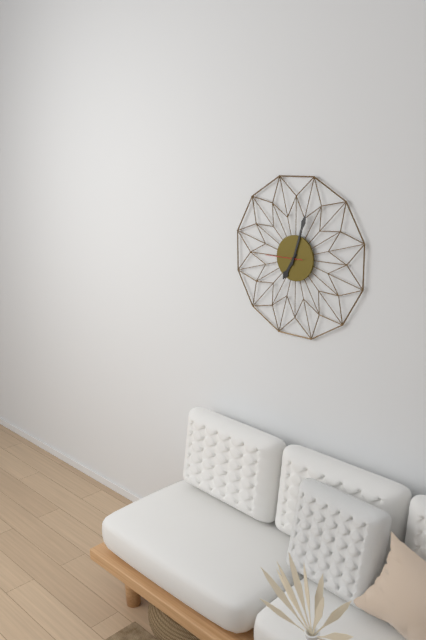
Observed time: **7:03**
